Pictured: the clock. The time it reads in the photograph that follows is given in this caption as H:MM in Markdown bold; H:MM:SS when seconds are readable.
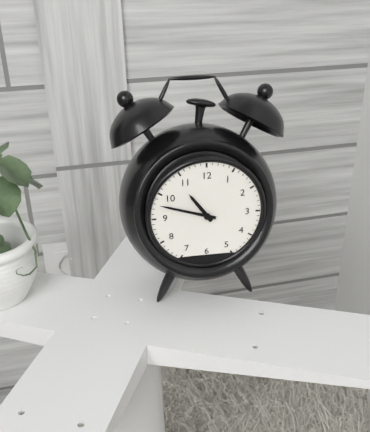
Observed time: **10:48**
